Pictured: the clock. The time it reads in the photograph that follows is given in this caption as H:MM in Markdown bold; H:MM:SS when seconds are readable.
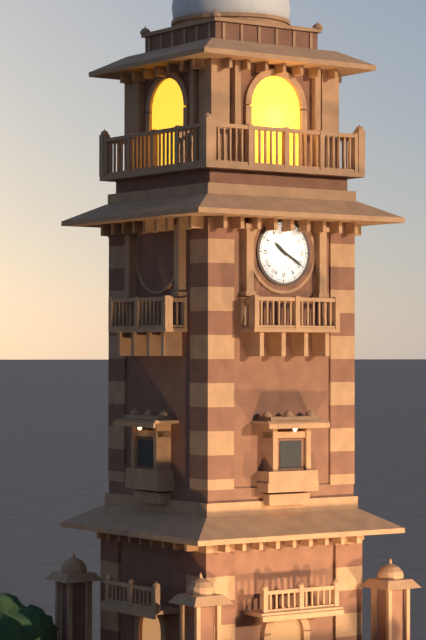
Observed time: **10:20**
